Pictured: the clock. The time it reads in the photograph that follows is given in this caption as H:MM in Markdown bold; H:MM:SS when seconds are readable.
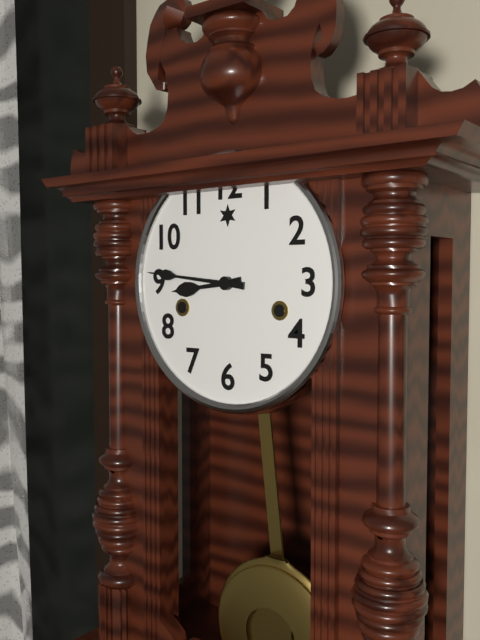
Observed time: **8:46**
